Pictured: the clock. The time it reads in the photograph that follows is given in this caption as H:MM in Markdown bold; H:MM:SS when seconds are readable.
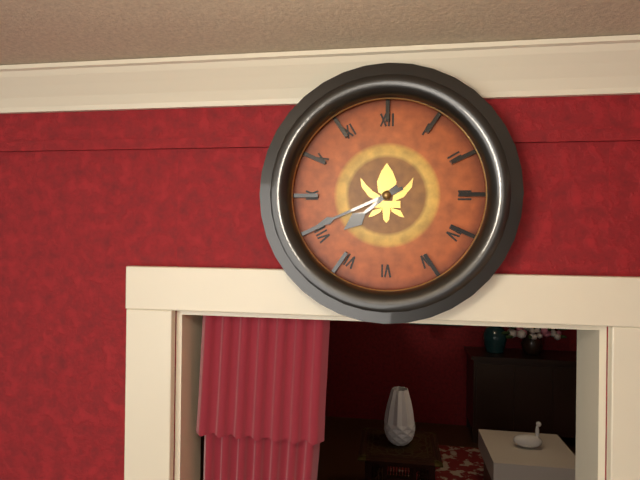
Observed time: **7:41**
